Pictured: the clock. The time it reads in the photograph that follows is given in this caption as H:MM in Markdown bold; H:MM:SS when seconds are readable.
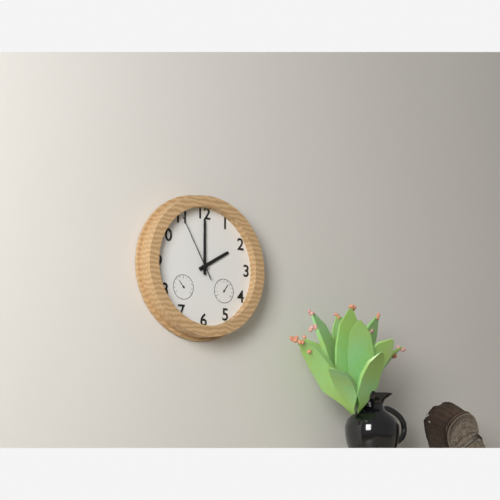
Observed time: **2:00:55**
